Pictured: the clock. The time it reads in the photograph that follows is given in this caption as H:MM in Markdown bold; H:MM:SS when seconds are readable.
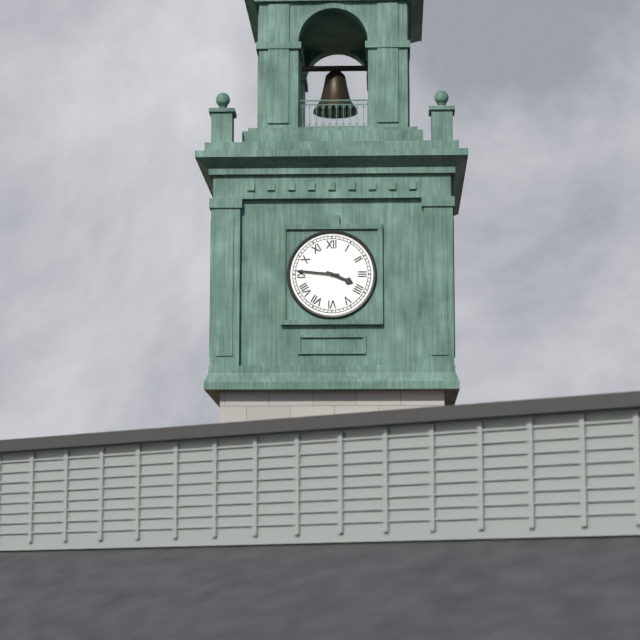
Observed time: **3:46**
